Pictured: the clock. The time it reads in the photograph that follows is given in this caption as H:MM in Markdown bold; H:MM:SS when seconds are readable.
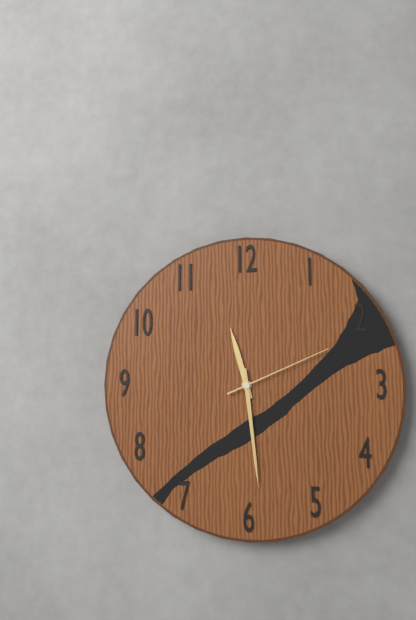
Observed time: **11:29:11**
